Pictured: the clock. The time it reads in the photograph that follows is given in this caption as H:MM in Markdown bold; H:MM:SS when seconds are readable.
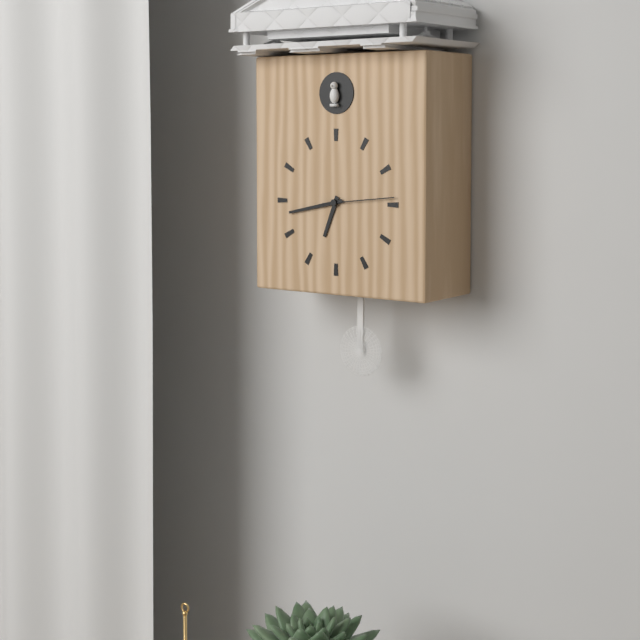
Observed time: **6:43:14**
